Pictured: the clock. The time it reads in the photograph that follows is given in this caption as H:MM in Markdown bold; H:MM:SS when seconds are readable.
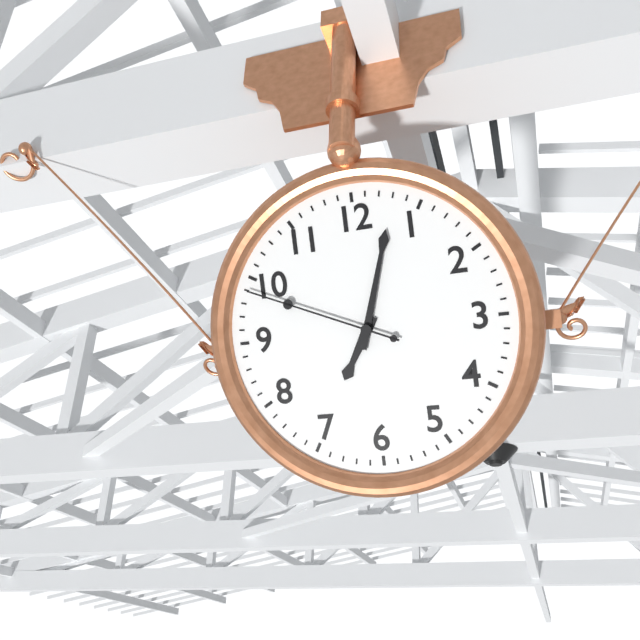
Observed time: **7:03:49**
